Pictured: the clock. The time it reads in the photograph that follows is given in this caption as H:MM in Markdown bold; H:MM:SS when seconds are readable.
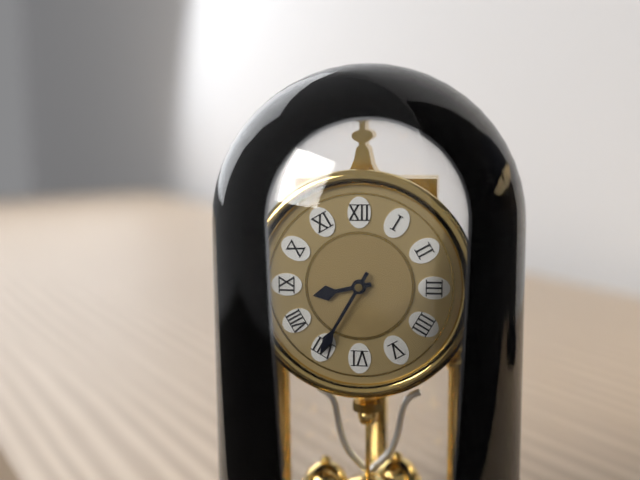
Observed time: **8:35**
